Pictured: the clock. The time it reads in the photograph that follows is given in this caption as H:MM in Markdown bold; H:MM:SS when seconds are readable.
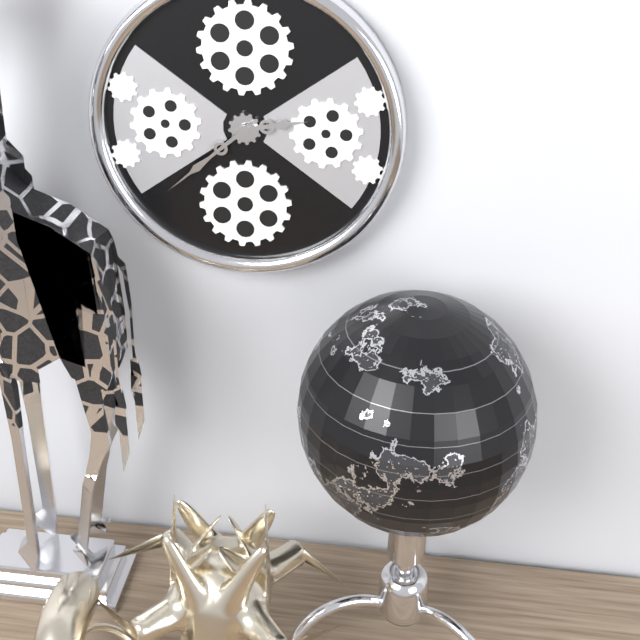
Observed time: **2:38**
